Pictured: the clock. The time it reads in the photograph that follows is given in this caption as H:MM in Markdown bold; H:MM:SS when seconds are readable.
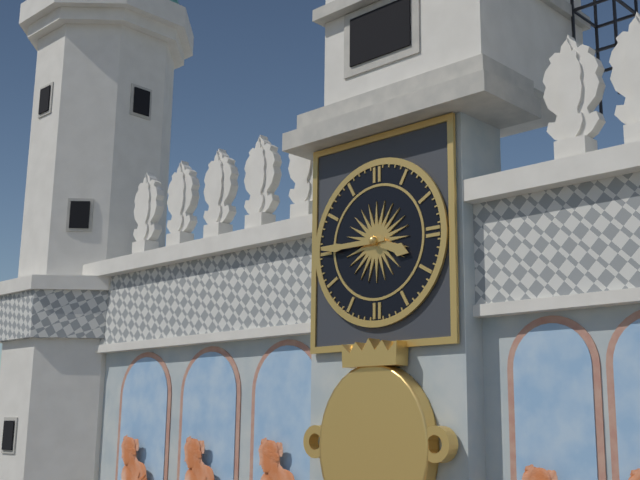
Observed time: **3:45**
